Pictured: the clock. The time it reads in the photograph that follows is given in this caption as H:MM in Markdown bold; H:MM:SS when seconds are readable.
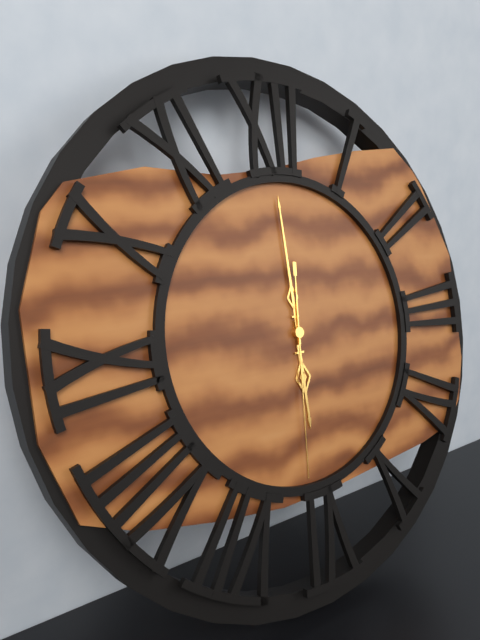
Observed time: **6:00:31**
